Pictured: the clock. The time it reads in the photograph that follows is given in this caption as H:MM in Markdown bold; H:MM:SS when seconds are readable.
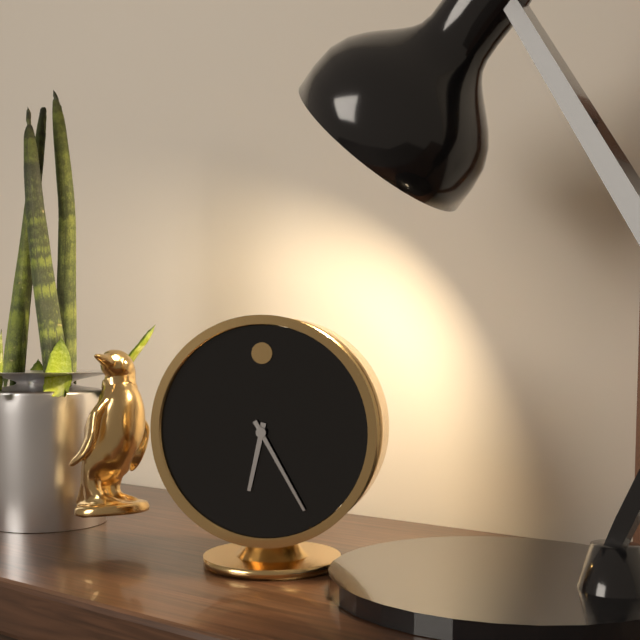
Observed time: **6:25**
